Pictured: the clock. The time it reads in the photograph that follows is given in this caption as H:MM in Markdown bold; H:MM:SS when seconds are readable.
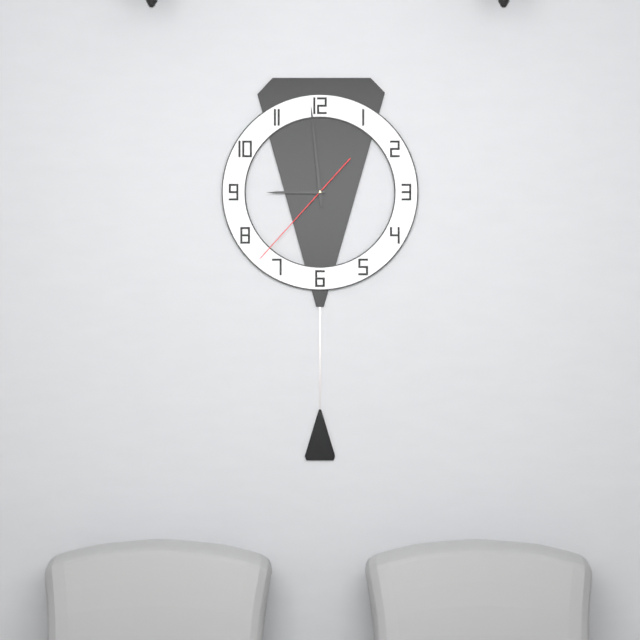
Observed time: **8:59:37**
